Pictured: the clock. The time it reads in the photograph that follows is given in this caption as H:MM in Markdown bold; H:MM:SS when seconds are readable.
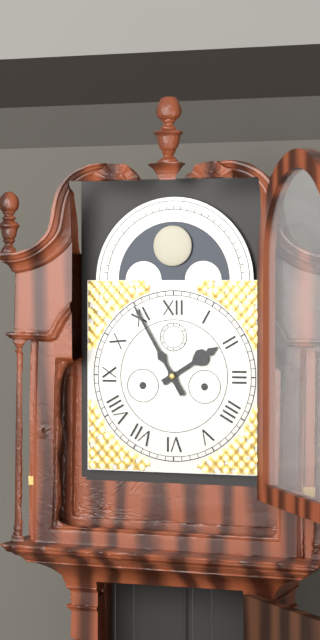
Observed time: **1:55**
